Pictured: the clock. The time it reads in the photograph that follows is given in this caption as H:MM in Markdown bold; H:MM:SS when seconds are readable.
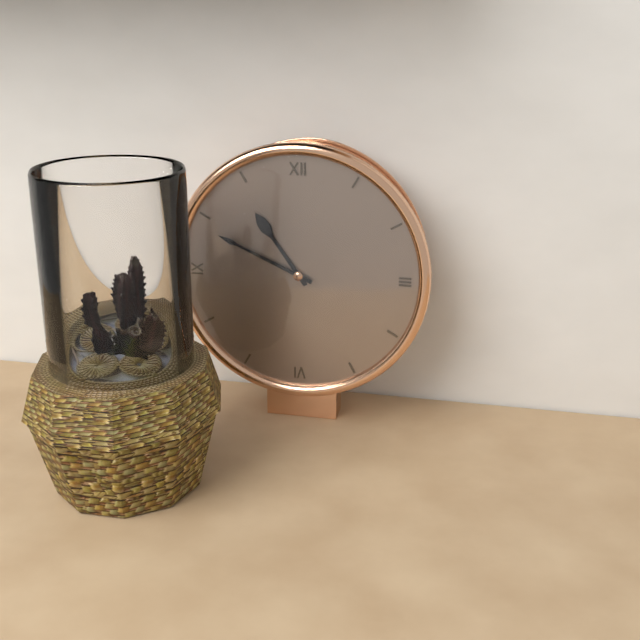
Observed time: **10:49**
